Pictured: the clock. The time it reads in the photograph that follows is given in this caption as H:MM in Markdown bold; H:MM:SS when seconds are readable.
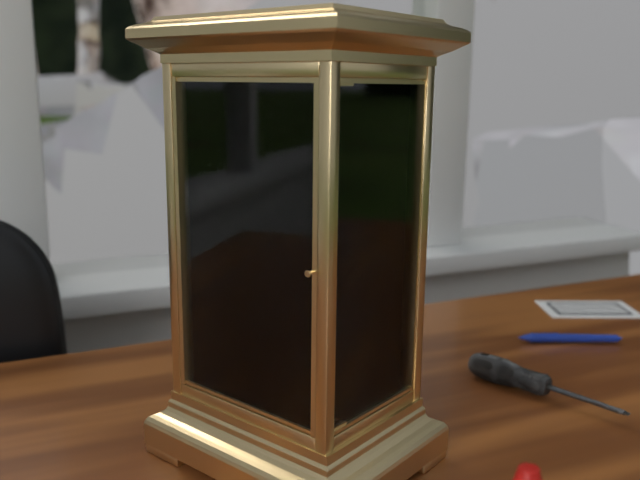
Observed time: **2:28**
